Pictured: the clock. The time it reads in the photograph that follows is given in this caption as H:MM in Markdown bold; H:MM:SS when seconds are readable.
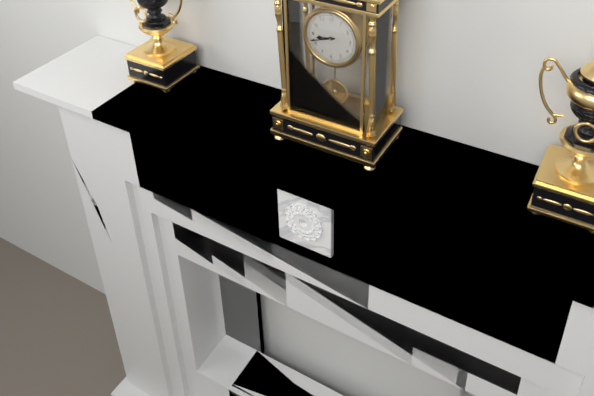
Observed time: **8:42**
